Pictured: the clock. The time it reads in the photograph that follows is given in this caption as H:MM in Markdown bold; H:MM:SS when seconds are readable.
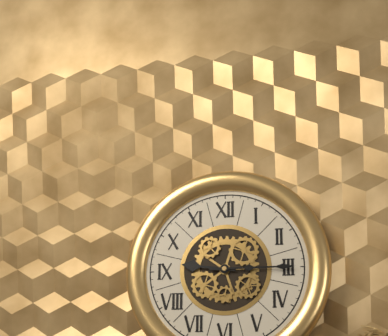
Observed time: **9:15**
